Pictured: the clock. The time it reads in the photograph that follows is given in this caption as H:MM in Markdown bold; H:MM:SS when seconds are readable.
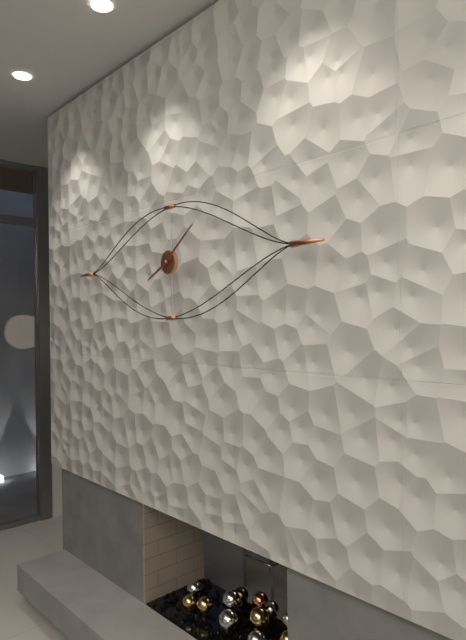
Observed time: **8:09**
